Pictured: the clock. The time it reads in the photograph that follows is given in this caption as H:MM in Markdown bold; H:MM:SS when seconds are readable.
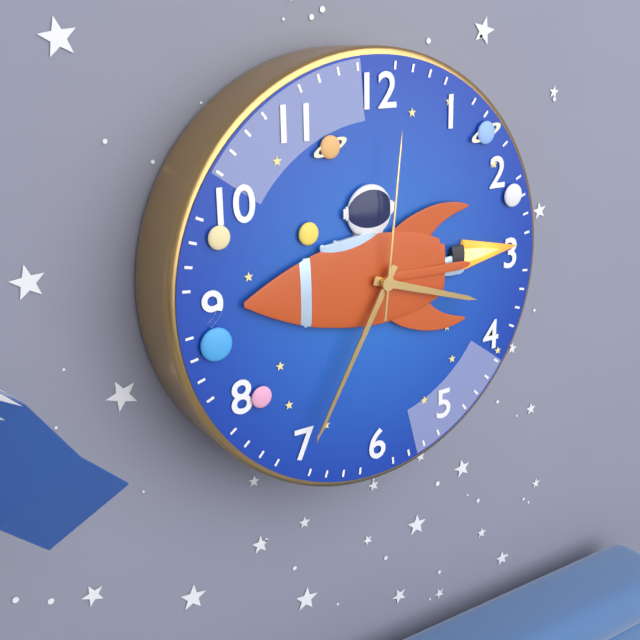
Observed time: **3:35:01**
